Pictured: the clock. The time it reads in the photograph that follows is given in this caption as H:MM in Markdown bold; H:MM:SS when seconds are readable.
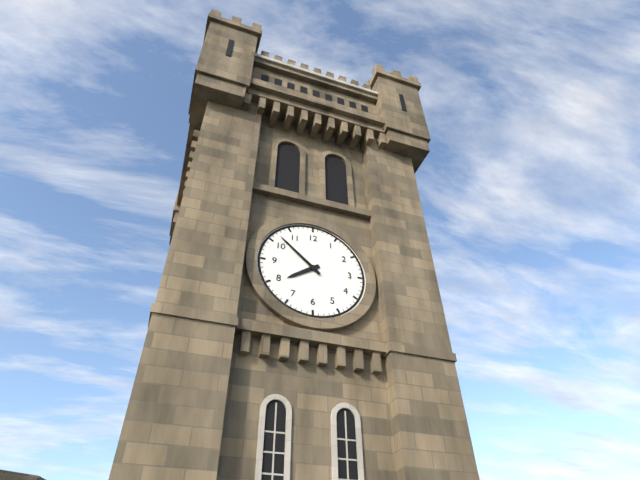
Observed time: **7:52**
